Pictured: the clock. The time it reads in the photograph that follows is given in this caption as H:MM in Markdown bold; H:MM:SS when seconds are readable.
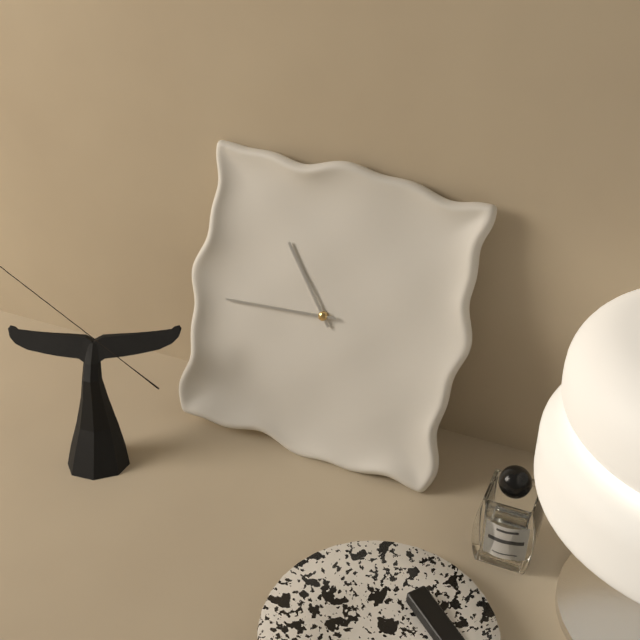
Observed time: **10:44**
